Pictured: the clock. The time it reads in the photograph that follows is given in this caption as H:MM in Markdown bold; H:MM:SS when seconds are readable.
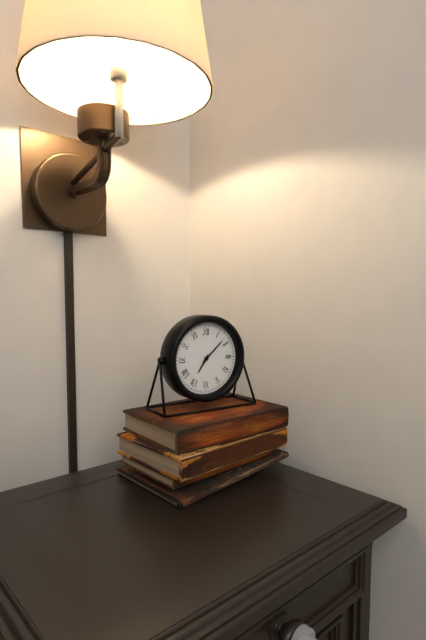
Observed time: **7:08**
